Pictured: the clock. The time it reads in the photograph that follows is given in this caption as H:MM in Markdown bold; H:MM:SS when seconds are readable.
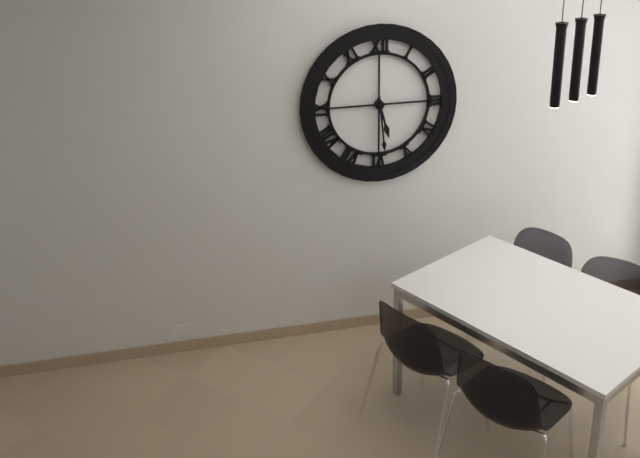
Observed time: **5:29**
